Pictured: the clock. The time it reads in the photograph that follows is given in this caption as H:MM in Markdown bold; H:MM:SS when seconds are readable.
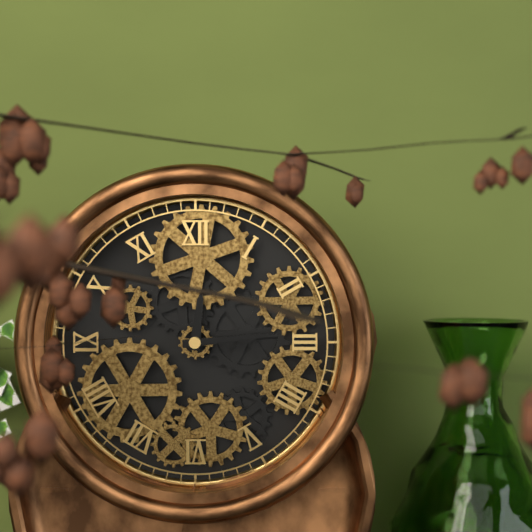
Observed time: **12:14**
